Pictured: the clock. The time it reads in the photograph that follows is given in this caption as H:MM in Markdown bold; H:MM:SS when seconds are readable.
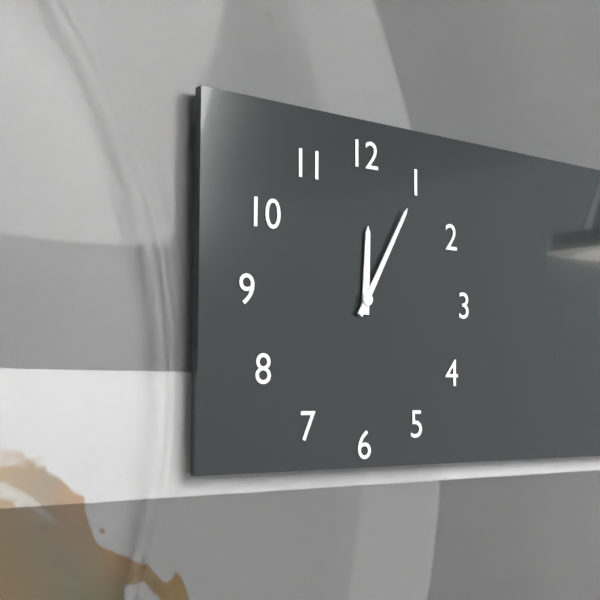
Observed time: **12:05**
